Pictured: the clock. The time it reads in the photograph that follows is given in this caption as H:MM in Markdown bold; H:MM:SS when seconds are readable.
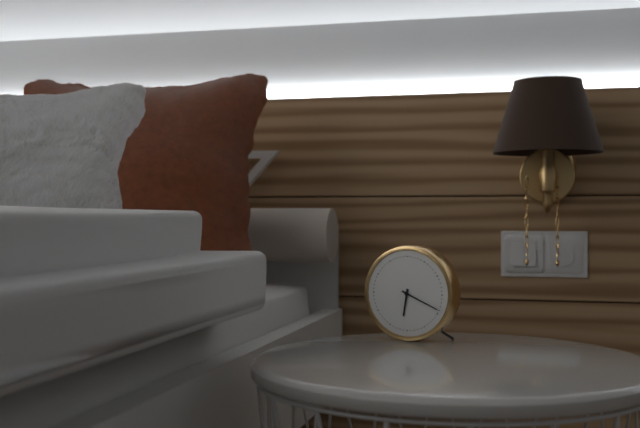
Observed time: **6:19**
